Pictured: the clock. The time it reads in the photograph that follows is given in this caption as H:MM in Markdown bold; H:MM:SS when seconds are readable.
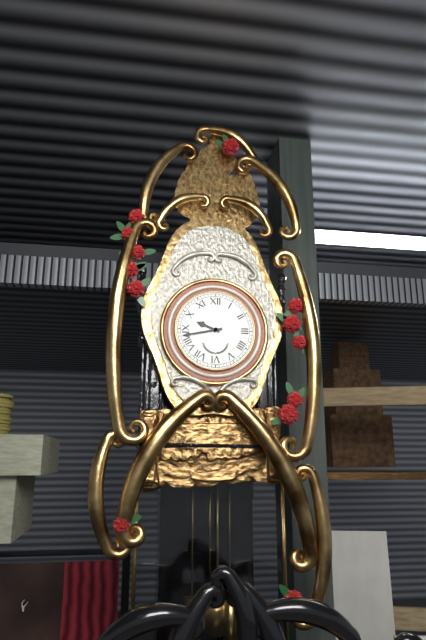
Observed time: **9:43**
